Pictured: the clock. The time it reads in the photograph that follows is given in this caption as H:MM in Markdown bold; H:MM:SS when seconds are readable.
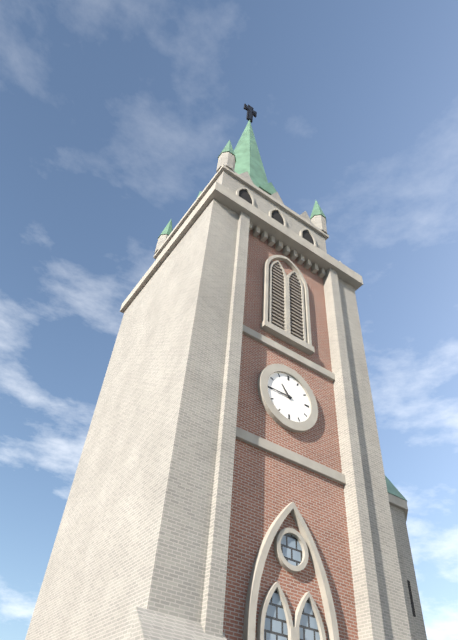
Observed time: **10:45**
